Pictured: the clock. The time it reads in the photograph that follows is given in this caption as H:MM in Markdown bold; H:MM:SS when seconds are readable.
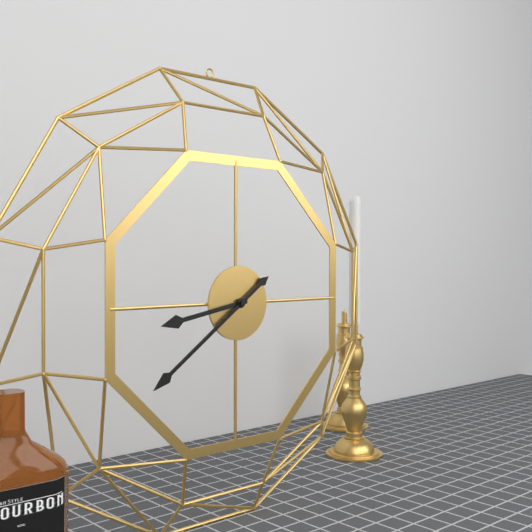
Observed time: **8:39**
